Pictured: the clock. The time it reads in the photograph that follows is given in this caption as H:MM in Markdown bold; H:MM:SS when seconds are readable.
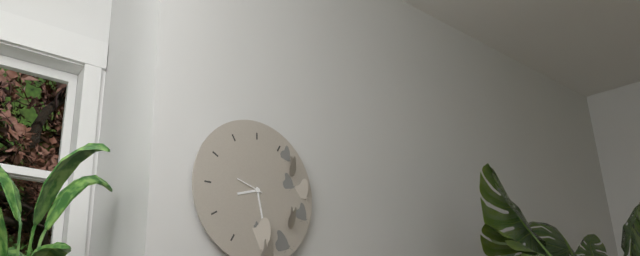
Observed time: **8:28**
